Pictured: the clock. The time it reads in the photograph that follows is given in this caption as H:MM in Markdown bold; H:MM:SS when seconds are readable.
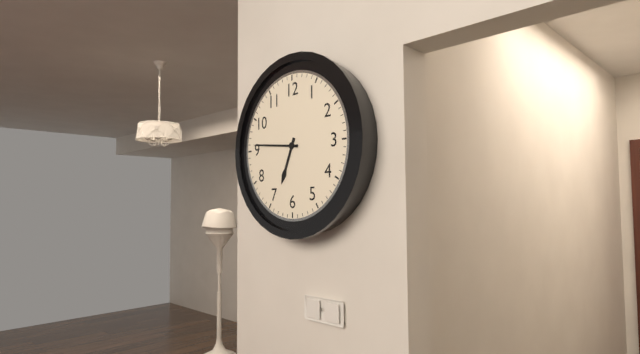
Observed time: **6:46**
